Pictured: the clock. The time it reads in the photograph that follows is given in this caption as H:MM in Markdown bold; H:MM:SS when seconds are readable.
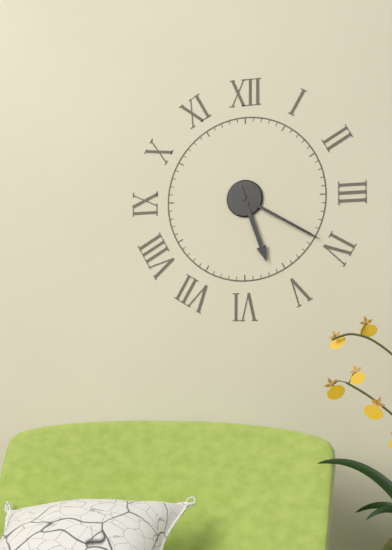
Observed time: **5:20**
